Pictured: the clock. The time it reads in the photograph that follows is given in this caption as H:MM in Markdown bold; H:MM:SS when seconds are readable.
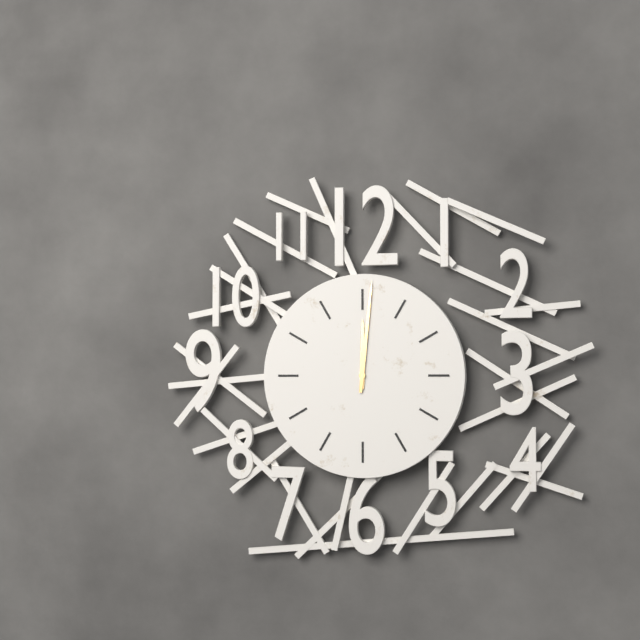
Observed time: **12:01**
